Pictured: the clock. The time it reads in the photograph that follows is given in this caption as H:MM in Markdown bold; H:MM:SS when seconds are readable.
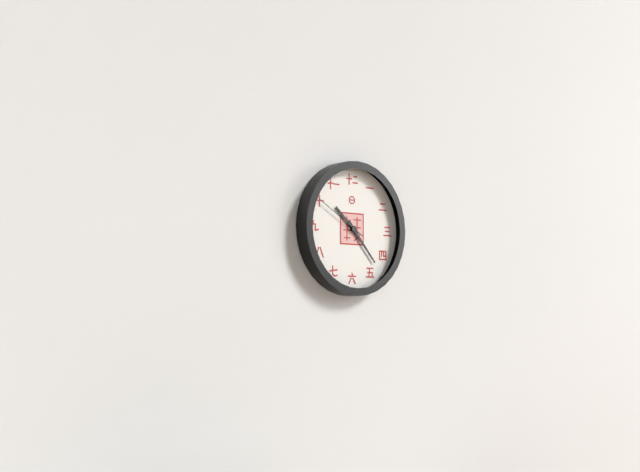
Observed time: **10:23:50**
